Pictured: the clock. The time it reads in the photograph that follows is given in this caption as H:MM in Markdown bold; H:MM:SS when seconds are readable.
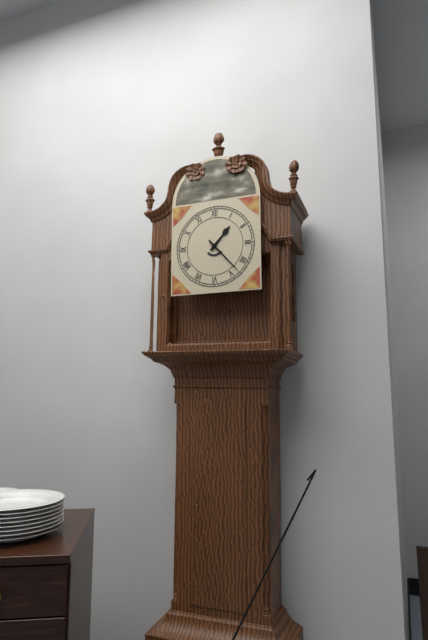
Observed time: **1:23**
